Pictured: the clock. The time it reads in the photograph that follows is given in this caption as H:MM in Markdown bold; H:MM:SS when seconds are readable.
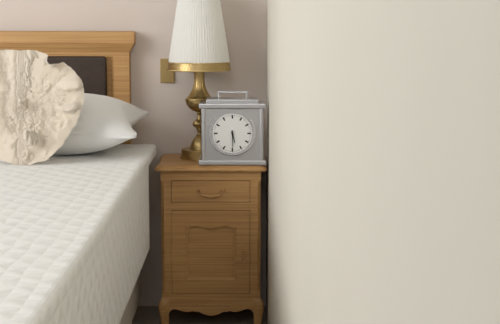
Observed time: **5:30**
